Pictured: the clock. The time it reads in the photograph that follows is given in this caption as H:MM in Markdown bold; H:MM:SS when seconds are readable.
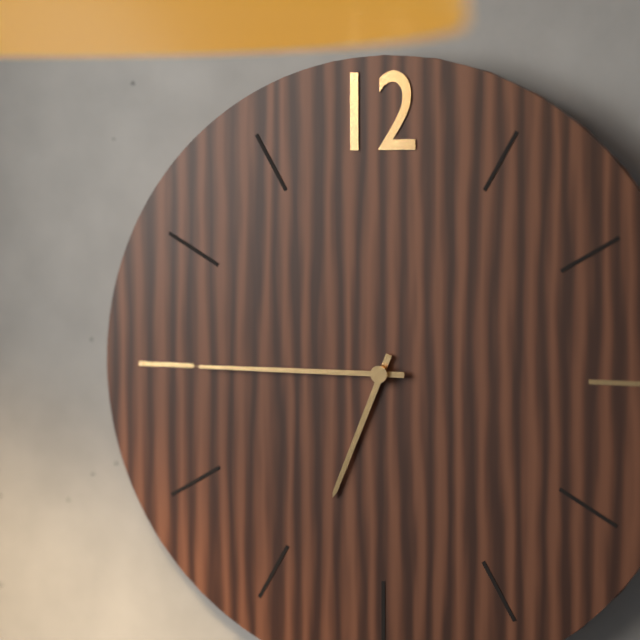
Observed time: **6:45**
